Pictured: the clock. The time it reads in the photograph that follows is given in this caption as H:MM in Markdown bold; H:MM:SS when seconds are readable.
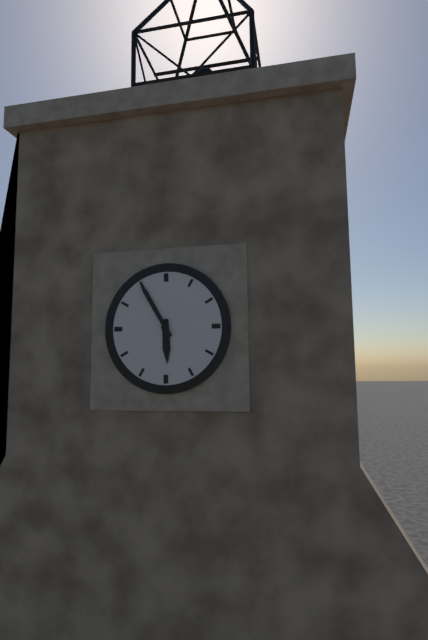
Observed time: **5:55**
